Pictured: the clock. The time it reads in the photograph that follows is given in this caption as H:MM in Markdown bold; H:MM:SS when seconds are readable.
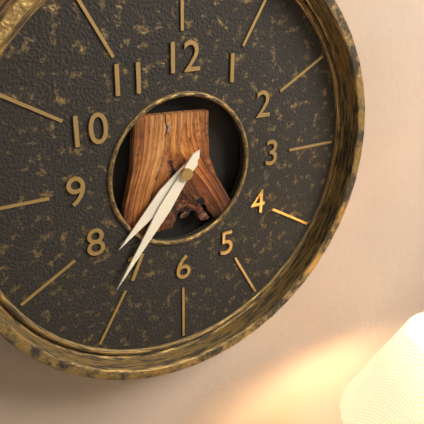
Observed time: **7:36**
